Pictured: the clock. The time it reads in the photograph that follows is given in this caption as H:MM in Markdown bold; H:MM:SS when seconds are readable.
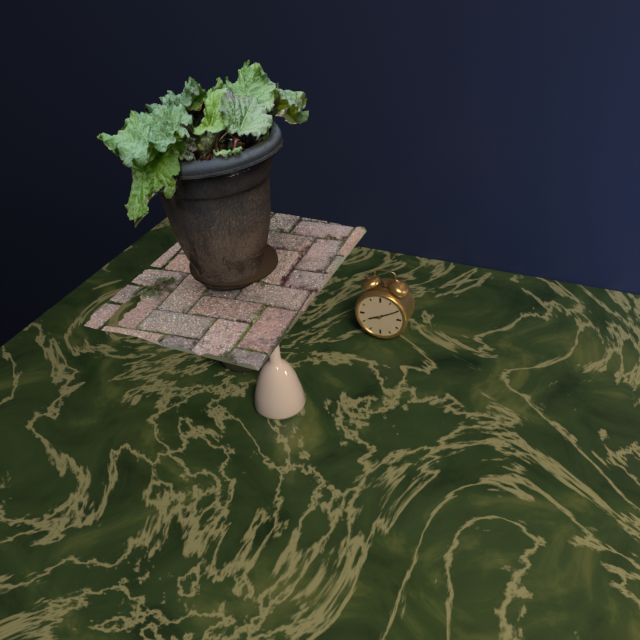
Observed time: **8:10**
